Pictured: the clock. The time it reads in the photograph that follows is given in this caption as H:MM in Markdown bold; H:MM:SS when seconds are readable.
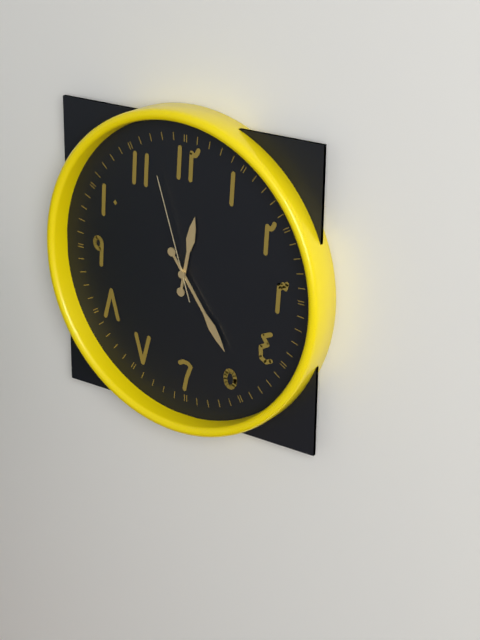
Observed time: **12:24:57**
